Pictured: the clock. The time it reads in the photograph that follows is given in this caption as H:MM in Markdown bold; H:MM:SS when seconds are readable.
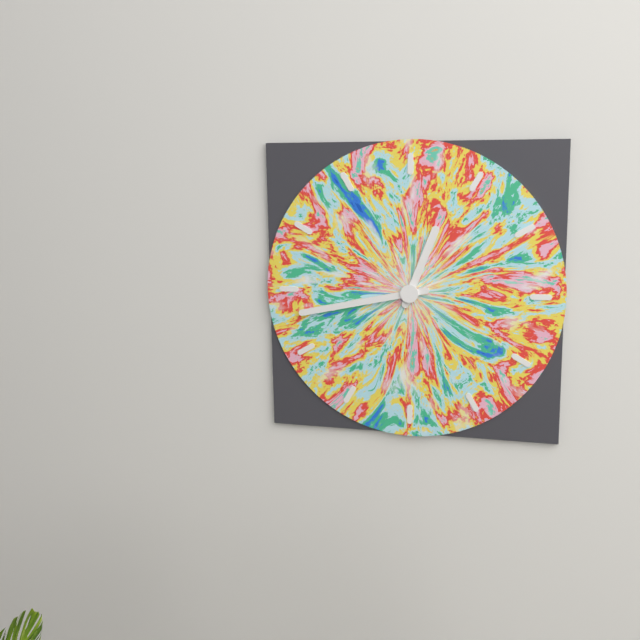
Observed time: **12:43**
